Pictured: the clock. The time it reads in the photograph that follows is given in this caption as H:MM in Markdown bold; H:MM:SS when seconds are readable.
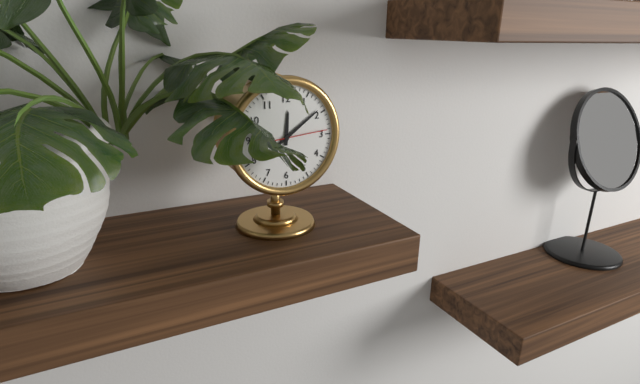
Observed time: **12:09:14**
